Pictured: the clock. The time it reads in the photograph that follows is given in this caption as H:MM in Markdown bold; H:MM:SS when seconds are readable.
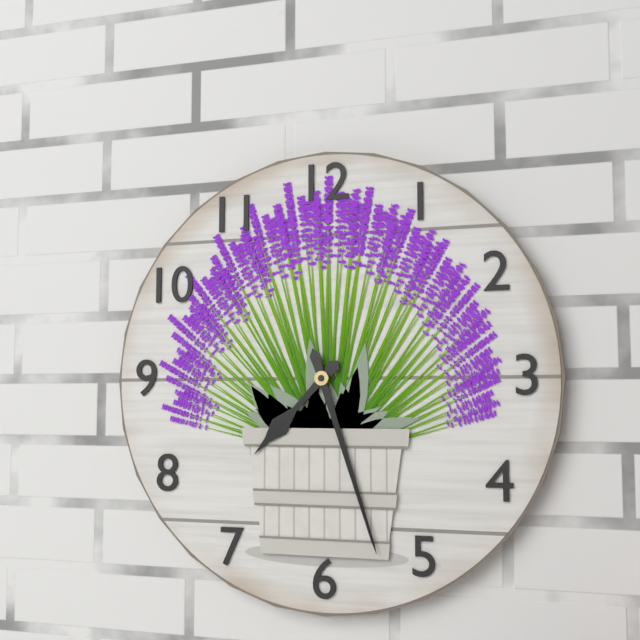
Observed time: **7:27**
